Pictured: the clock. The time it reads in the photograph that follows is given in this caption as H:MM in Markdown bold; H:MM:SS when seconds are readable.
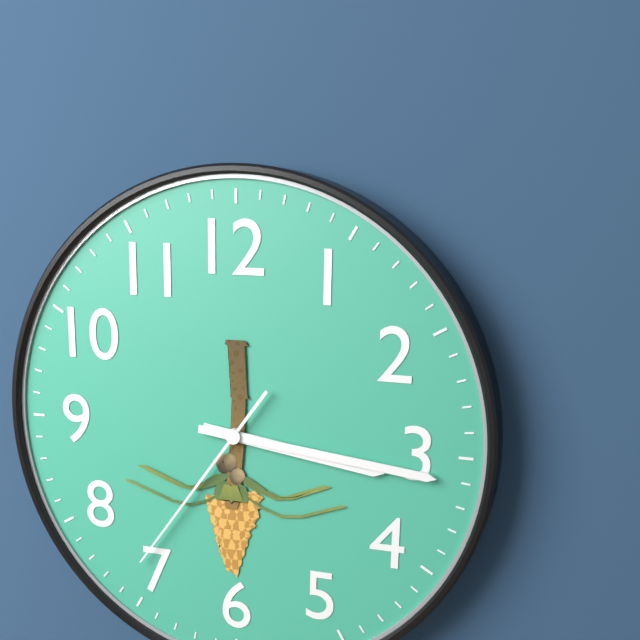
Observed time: **3:16:36**
